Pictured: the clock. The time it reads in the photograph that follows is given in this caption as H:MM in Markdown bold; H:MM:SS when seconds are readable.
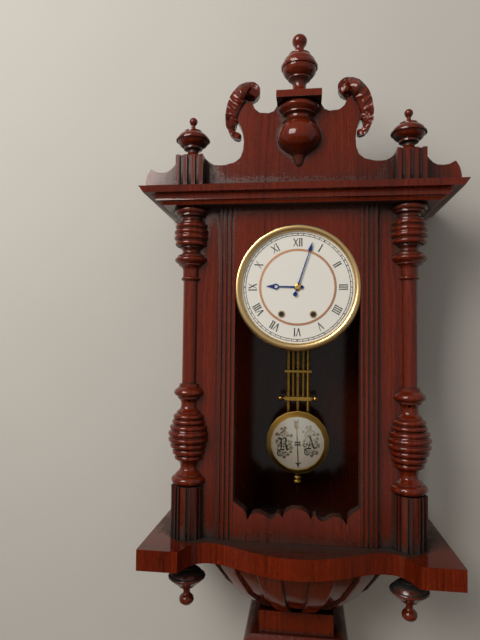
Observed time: **9:03**
